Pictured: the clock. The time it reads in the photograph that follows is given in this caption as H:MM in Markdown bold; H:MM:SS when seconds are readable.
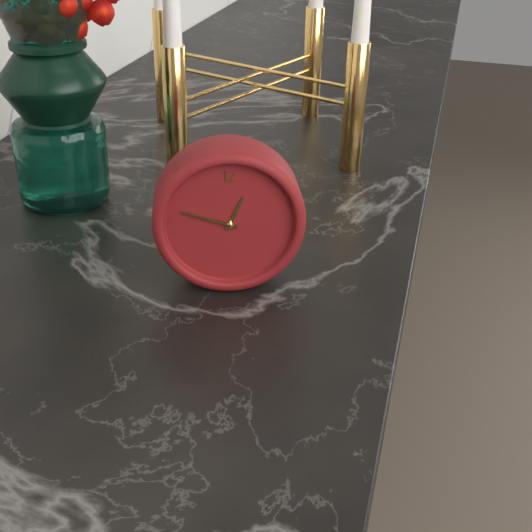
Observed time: **12:48**
